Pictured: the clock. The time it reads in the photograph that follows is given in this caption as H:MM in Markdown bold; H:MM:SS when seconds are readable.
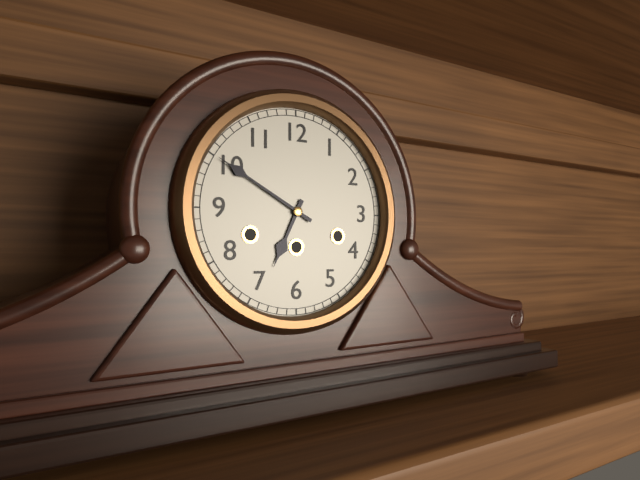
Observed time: **6:50**
